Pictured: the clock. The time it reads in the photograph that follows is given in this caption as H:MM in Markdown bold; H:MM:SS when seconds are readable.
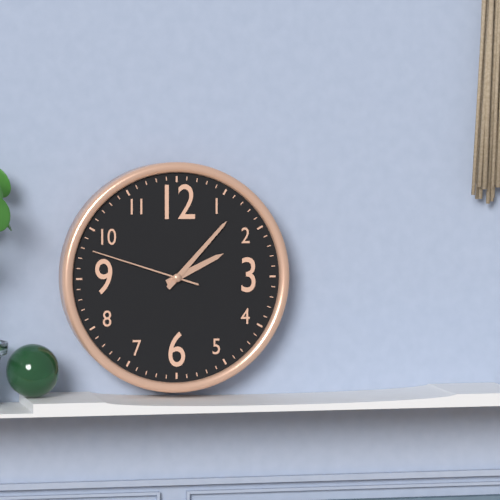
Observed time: **2:07:48**
